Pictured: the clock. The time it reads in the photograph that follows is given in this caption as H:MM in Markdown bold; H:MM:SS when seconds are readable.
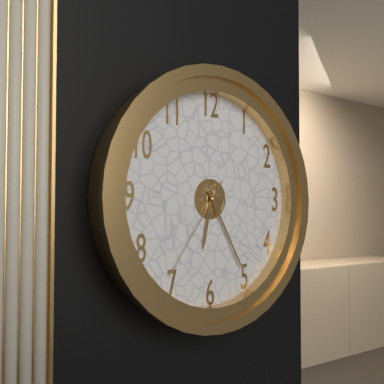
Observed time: **6:25:36**
